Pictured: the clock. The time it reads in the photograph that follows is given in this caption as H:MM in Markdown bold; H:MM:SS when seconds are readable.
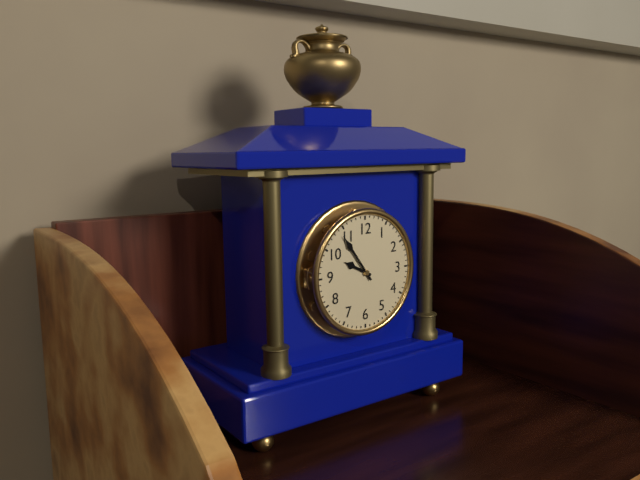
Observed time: **9:54**
